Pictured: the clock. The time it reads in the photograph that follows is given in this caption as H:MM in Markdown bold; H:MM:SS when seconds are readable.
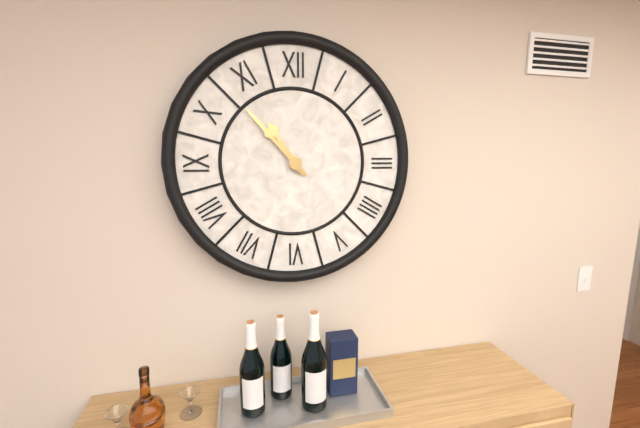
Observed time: **10:53**
